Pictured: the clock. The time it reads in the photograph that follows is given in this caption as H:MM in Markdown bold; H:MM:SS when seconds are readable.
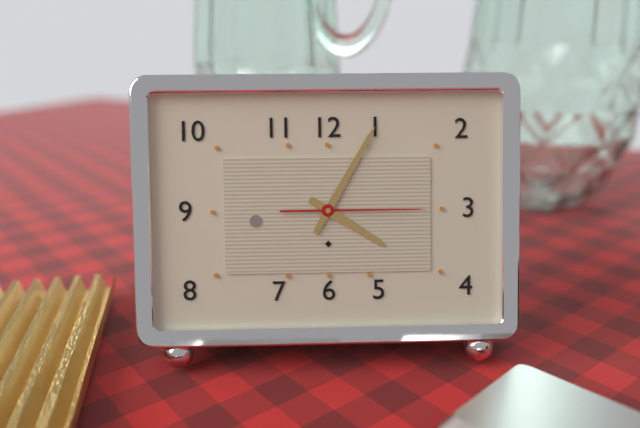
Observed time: **4:05:15**
